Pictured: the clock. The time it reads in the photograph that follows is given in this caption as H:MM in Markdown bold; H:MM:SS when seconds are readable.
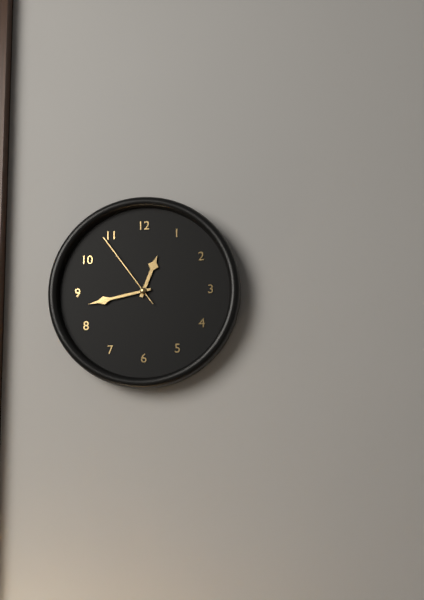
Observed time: **12:43:54**
